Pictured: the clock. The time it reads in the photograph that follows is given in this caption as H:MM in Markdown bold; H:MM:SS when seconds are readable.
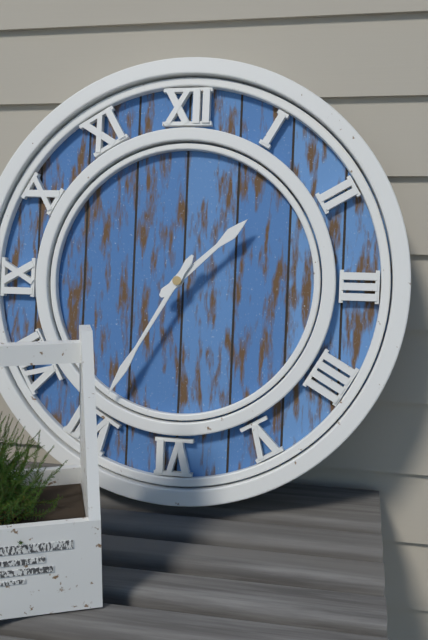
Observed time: **1:35**
